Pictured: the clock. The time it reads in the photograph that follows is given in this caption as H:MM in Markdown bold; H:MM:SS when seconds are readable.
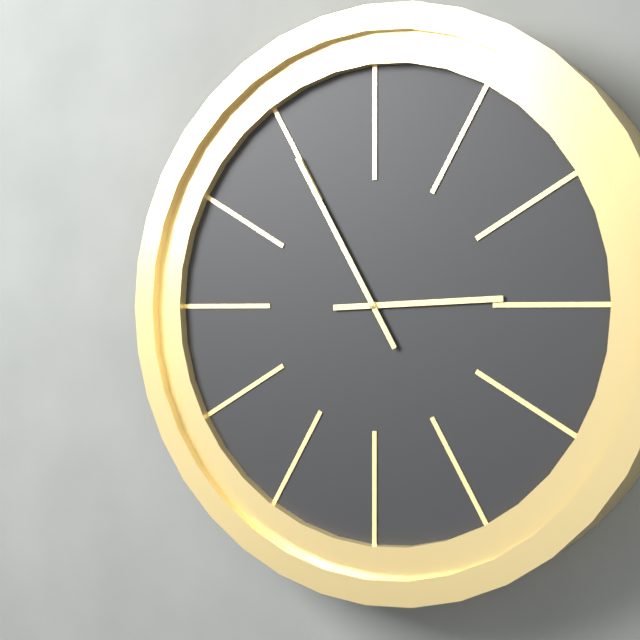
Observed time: **2:55**
